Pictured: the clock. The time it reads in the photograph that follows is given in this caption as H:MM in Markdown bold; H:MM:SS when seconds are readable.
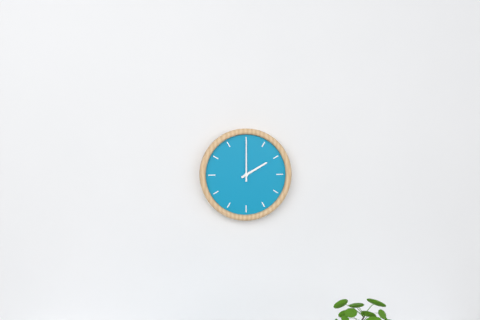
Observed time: **2:00**
